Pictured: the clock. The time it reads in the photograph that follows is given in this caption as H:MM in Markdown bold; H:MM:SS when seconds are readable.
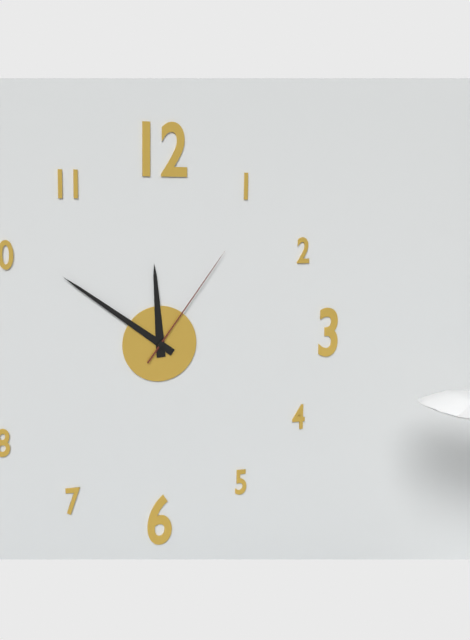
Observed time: **11:51:06**
